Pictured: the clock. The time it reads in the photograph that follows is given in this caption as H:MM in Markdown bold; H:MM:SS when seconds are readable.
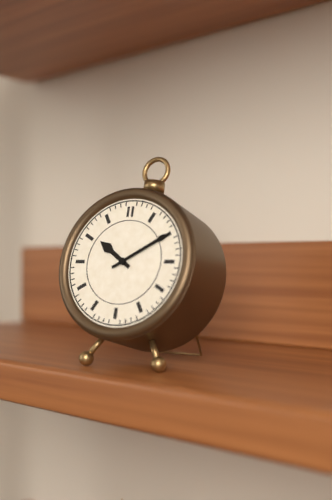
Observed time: **10:10**
